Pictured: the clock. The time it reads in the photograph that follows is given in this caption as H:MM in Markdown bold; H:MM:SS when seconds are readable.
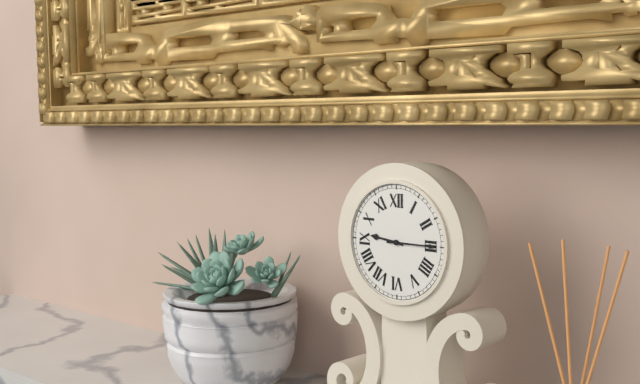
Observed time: **9:15**
